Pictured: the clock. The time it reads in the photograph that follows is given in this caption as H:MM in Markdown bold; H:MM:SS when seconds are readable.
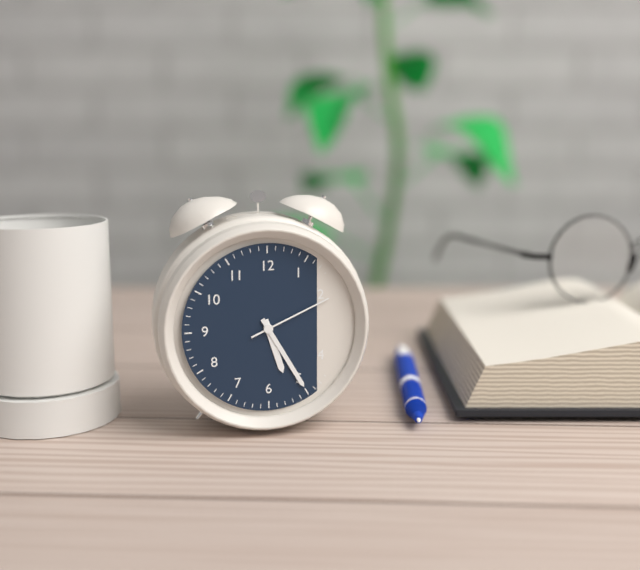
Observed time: **5:25:11**
